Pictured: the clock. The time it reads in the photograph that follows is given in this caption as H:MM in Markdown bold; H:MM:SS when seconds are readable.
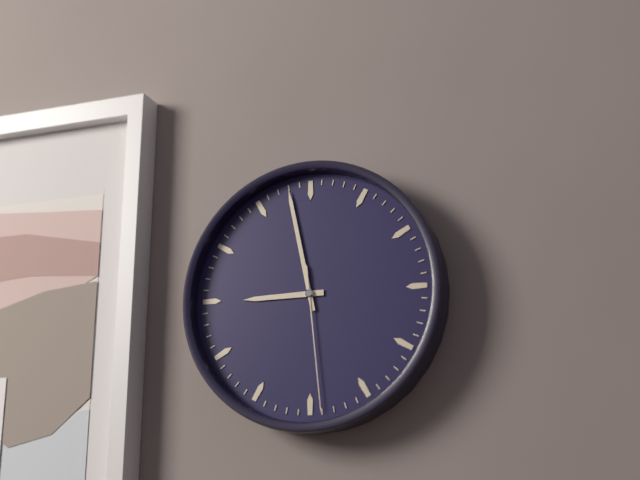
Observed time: **8:58:29**
